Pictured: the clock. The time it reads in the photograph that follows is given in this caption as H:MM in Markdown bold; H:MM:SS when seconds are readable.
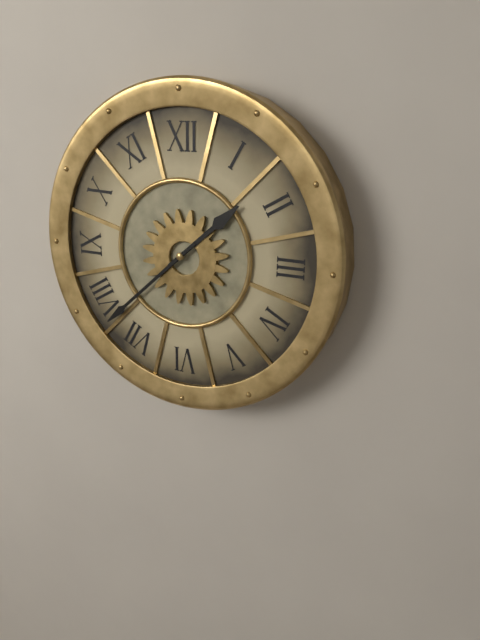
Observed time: **1:38**
